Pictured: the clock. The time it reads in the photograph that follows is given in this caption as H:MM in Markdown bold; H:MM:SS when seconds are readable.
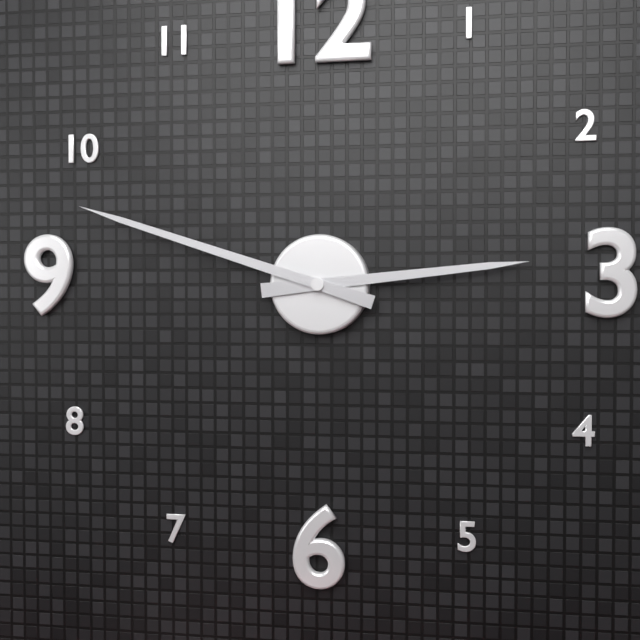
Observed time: **2:48**
